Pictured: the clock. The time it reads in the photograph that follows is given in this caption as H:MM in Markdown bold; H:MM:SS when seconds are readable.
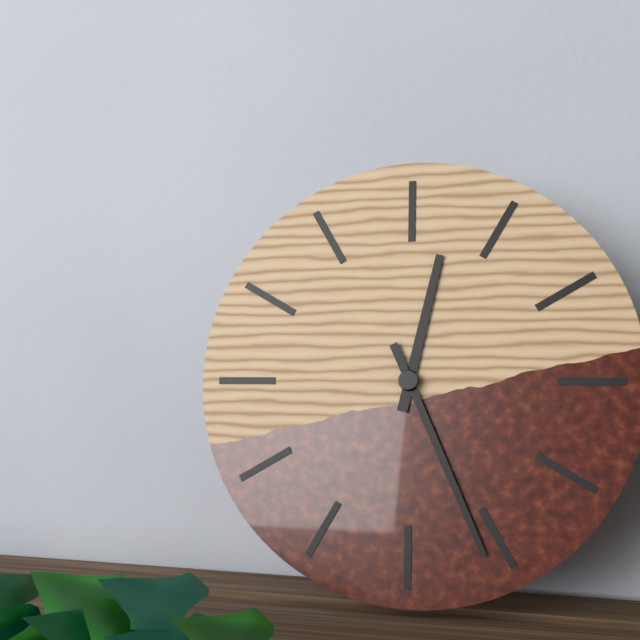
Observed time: **12:26**
